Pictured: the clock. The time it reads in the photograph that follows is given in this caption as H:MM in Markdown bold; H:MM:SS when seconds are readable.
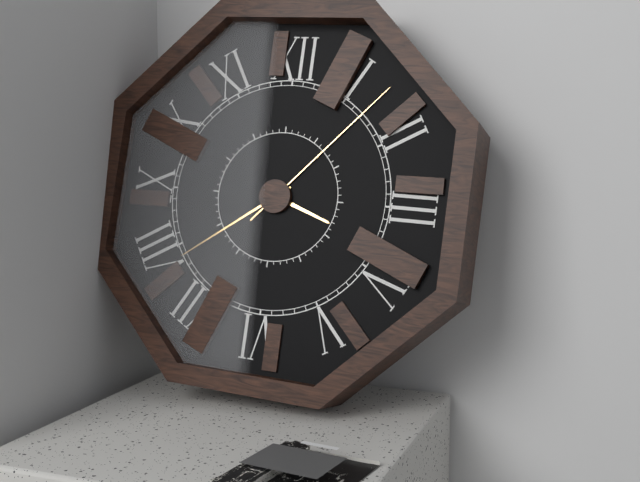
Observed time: **3:39:07**
